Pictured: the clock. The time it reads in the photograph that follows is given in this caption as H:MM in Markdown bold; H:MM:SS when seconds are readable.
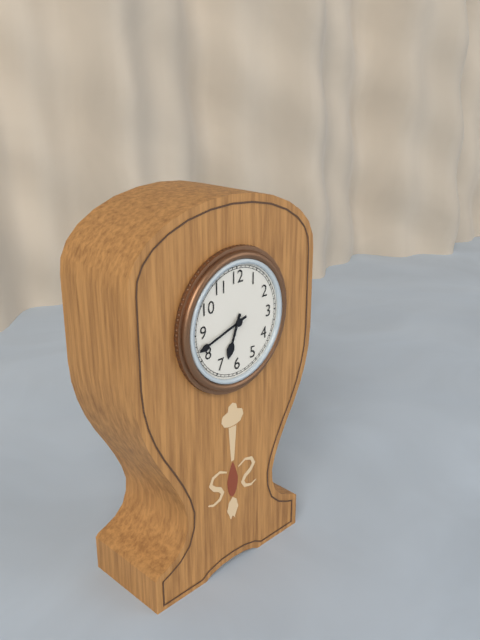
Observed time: **6:42**
